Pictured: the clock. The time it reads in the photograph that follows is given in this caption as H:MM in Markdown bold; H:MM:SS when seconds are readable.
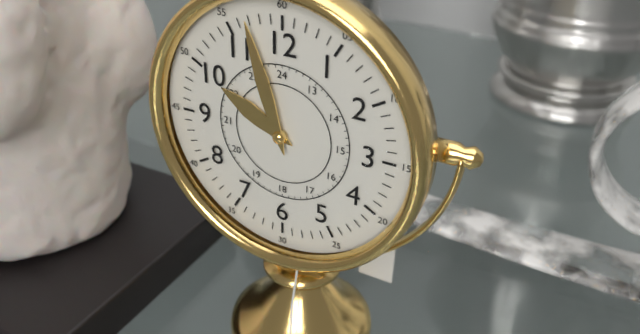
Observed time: **9:57**
